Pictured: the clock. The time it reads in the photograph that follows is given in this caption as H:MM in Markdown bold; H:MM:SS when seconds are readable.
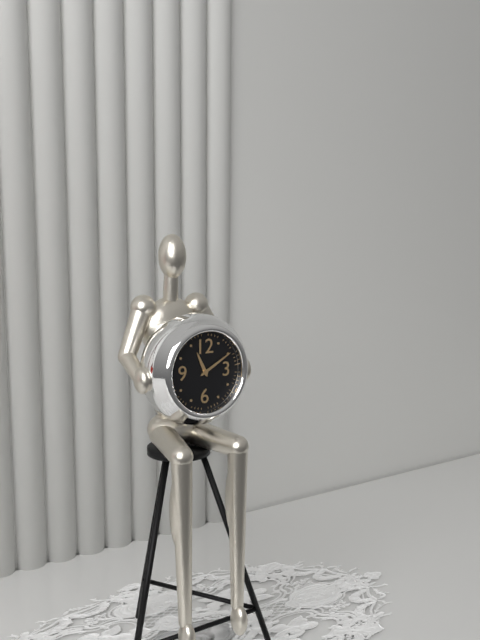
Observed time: **11:10**
